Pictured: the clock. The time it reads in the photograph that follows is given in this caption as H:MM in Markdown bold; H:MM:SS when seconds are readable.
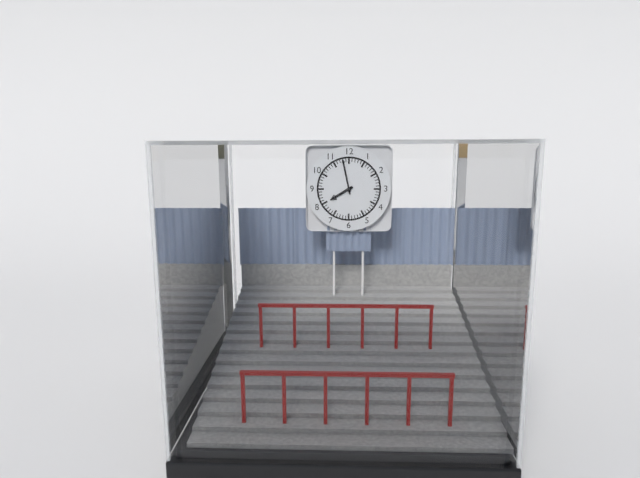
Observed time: **7:58**
